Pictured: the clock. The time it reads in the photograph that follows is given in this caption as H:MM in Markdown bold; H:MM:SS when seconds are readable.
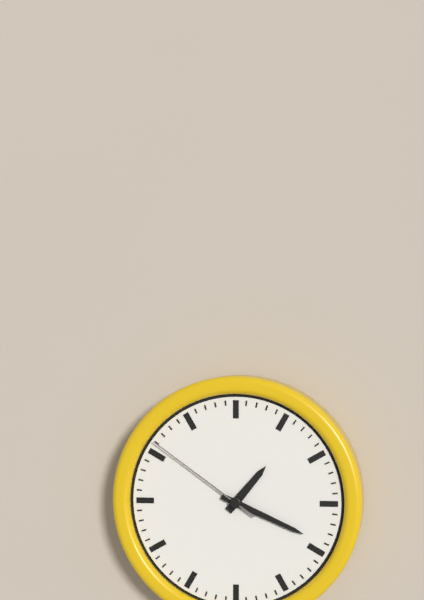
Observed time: **1:19:51**
